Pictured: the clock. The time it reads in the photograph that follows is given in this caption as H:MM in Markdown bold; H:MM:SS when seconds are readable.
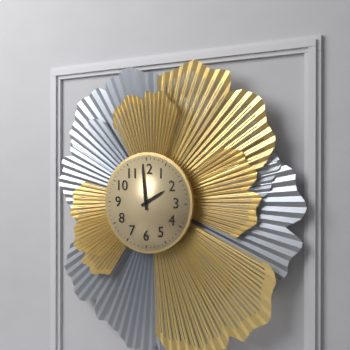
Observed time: **1:59**
